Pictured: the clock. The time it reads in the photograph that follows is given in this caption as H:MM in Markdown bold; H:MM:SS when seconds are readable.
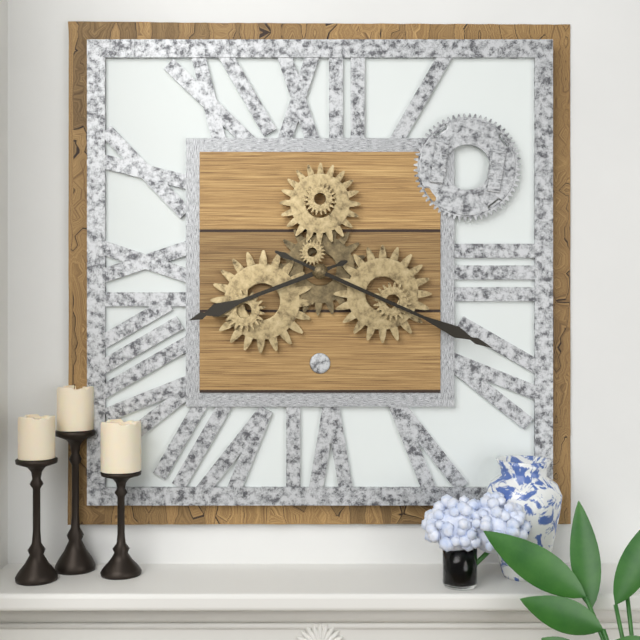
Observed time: **8:19**
